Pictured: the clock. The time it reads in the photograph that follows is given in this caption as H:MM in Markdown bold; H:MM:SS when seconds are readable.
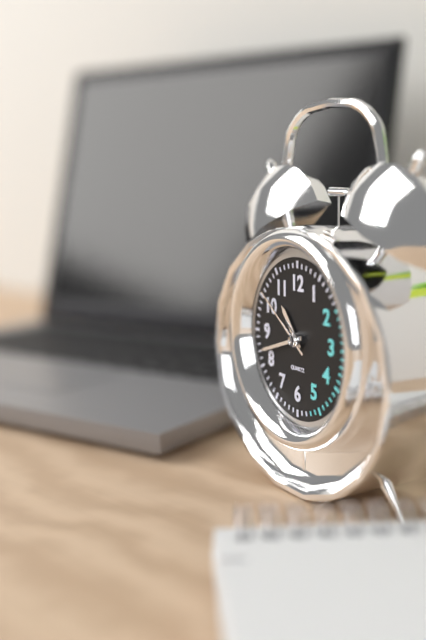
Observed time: **10:42:51**
